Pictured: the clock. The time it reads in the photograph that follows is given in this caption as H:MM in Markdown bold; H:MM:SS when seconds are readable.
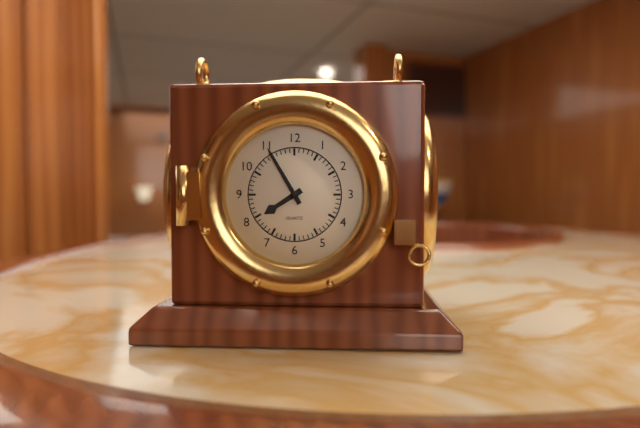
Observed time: **7:55**
